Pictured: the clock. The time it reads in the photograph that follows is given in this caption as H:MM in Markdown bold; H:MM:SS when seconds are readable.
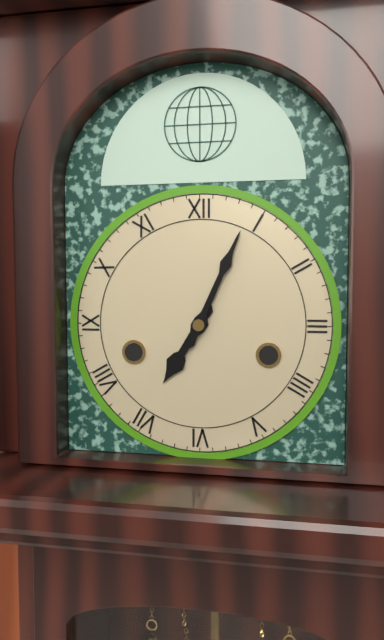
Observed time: **7:04**
